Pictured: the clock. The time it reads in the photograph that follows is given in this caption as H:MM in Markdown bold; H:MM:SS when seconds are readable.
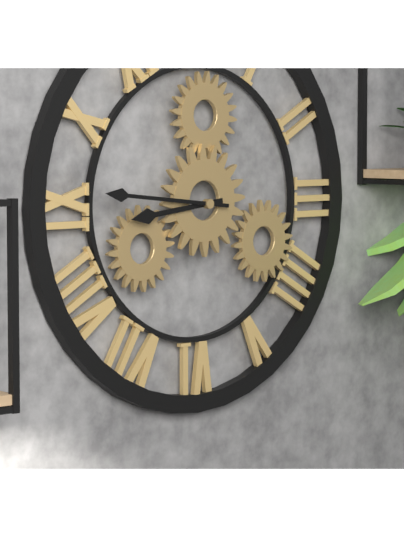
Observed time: **8:46**
